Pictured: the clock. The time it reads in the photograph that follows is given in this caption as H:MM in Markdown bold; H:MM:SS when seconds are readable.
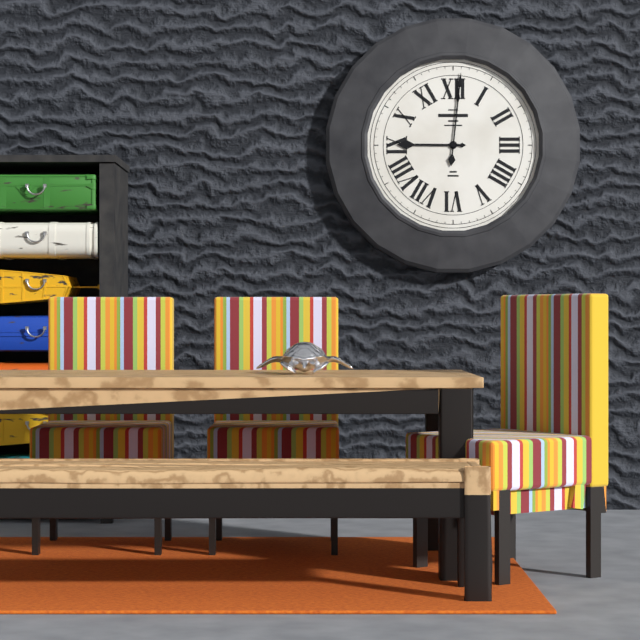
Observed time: **9:01**
